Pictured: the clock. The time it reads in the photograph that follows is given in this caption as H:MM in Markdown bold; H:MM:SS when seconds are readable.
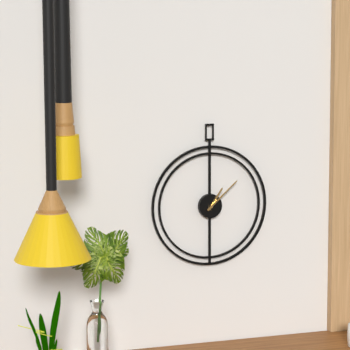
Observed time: **1:08**
